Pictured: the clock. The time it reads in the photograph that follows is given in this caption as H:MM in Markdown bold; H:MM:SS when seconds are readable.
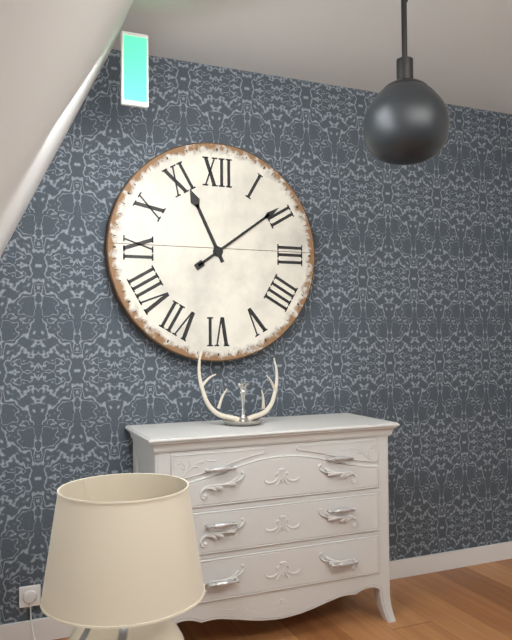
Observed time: **11:09**
